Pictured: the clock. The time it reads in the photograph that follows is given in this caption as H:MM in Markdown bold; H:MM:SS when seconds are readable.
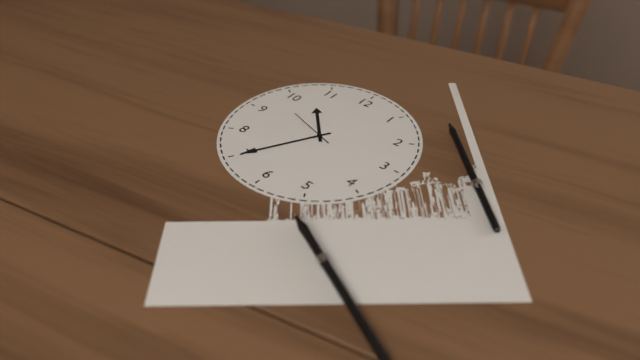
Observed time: **10:35**
